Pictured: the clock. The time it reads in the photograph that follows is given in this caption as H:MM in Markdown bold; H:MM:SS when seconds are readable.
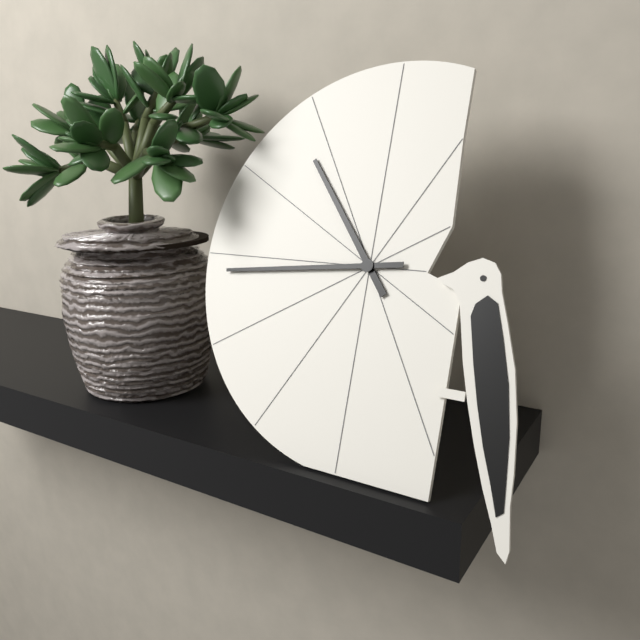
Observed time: **10:44**
